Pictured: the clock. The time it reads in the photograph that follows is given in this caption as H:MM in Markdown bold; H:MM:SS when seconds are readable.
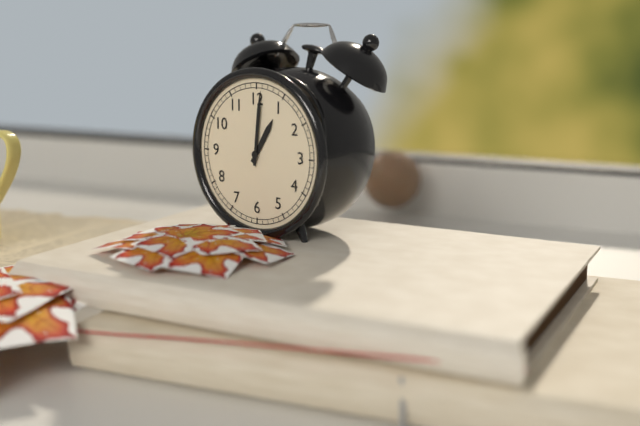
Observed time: **1:01**
